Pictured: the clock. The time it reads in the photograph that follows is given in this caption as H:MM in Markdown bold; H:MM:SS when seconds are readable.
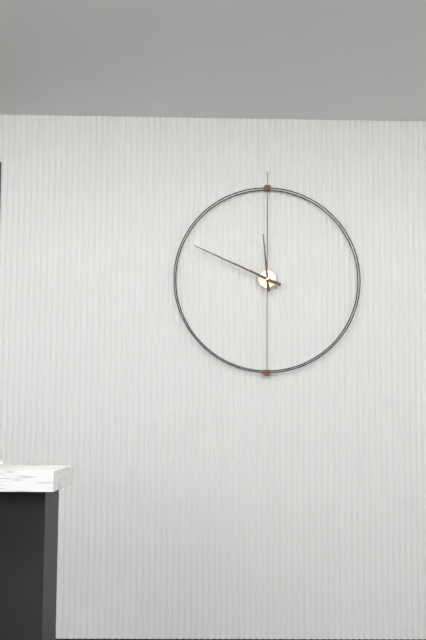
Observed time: **11:49**
